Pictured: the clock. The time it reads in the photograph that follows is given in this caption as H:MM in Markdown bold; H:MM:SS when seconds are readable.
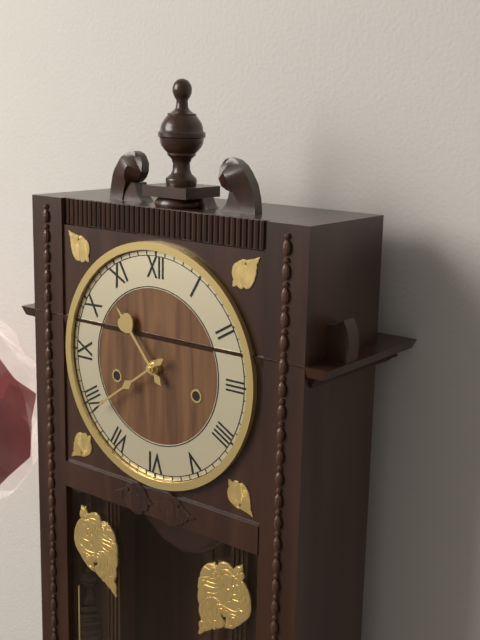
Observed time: **10:39**
